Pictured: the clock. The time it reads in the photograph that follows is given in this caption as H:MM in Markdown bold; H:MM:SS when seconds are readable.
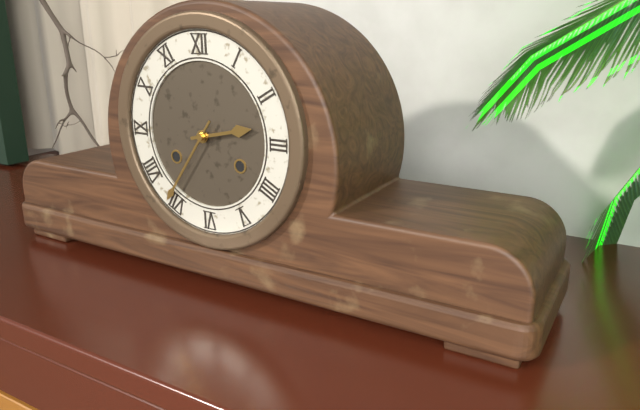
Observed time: **2:36**
